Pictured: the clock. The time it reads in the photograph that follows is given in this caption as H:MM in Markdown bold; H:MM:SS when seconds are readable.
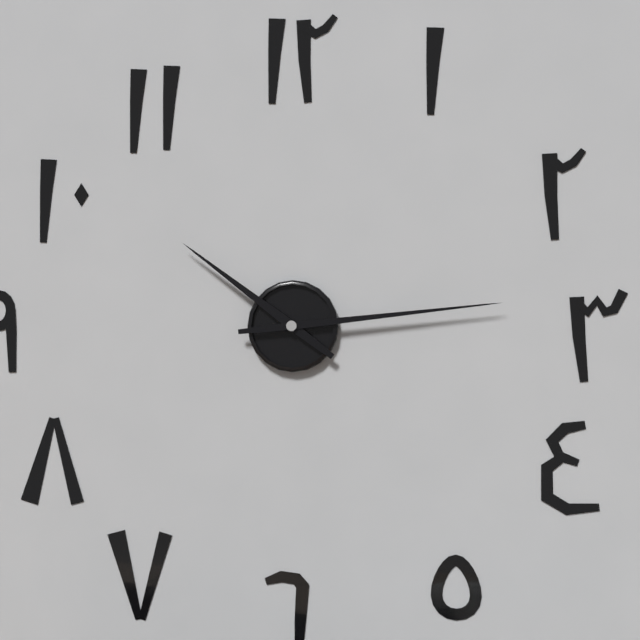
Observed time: **10:14**
